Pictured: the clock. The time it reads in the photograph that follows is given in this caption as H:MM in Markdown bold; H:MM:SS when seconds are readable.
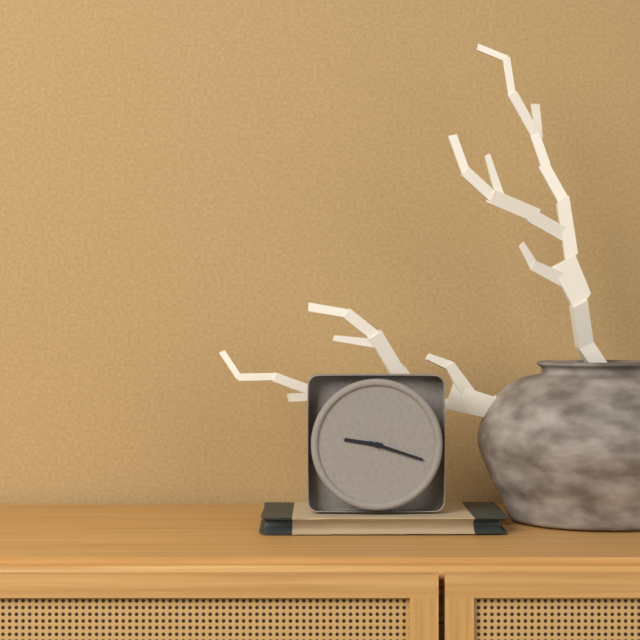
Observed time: **9:18**
